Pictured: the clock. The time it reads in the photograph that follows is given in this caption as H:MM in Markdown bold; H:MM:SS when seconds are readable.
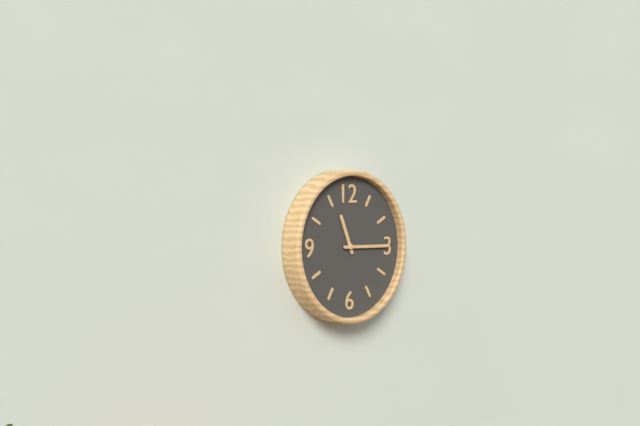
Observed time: **11:15**
